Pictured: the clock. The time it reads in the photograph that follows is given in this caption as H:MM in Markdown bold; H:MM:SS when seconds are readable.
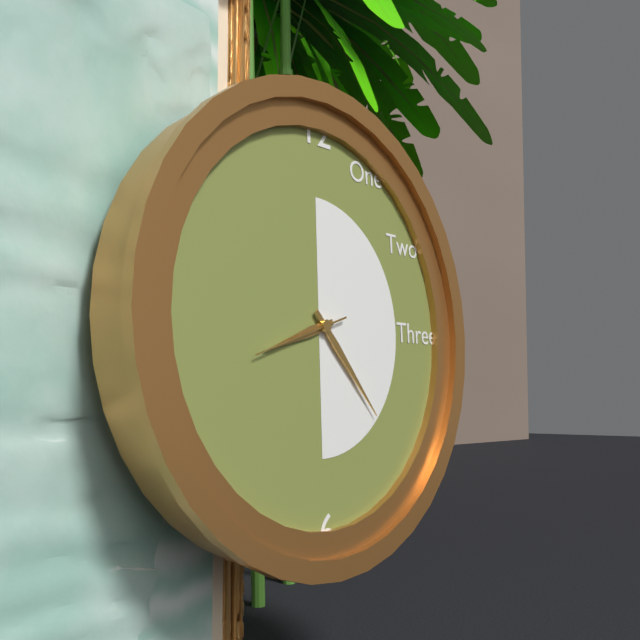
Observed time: **8:23:42**
